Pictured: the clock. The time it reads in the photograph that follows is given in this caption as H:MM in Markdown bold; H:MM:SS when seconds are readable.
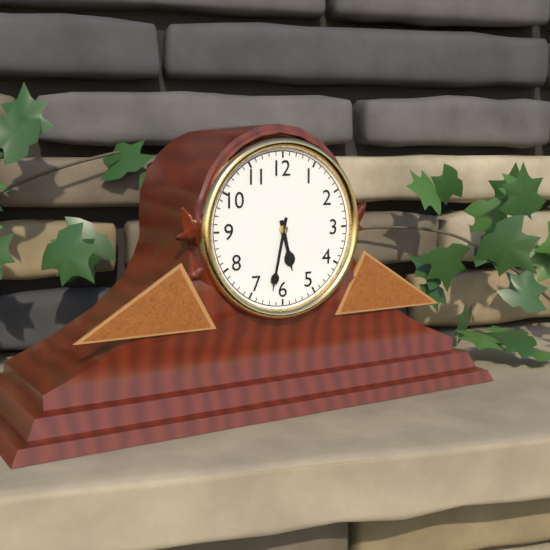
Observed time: **5:32**
